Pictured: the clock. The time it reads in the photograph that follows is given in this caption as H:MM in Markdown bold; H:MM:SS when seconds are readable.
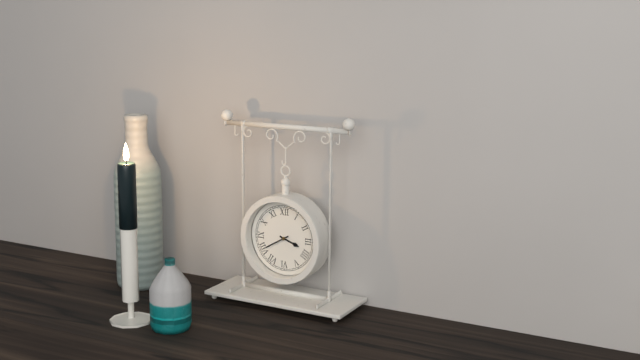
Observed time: **3:40**
